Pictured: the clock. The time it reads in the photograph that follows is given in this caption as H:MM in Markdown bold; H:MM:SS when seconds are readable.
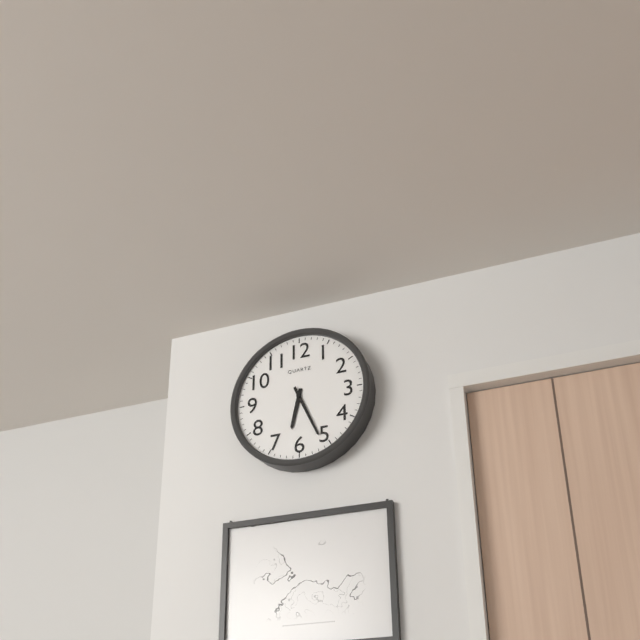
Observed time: **6:26**
